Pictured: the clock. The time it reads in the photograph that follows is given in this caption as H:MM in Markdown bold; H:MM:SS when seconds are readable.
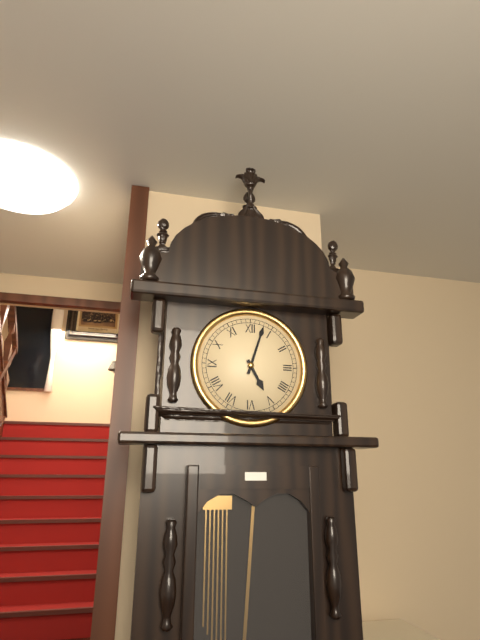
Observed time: **5:03**
